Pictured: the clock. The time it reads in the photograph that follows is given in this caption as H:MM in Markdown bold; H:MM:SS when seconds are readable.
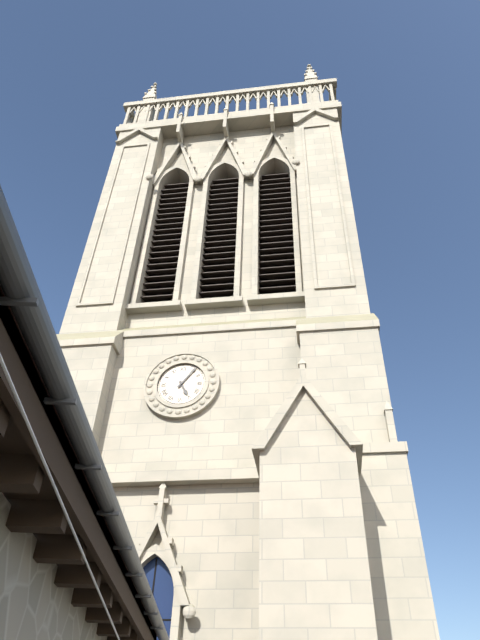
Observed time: **5:06**
